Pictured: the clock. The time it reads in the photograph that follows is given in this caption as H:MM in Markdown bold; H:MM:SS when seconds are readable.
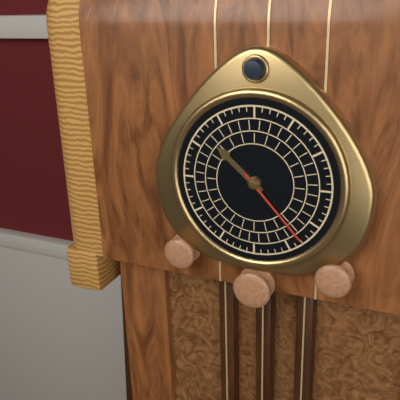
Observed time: **10:23**
